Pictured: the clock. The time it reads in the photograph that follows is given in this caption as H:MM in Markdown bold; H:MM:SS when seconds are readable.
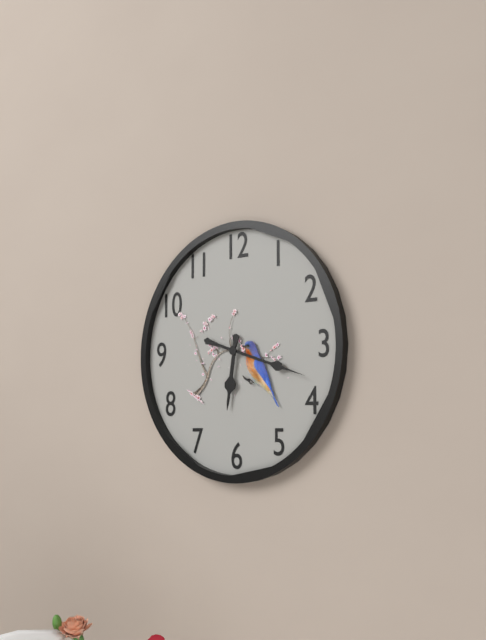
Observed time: **6:18**
